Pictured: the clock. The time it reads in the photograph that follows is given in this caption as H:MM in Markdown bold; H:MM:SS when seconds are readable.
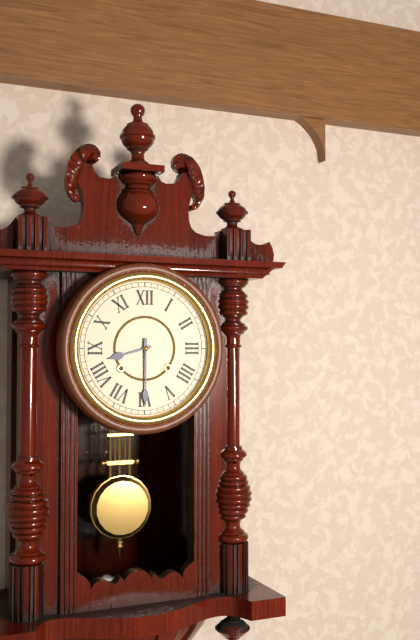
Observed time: **8:30**
